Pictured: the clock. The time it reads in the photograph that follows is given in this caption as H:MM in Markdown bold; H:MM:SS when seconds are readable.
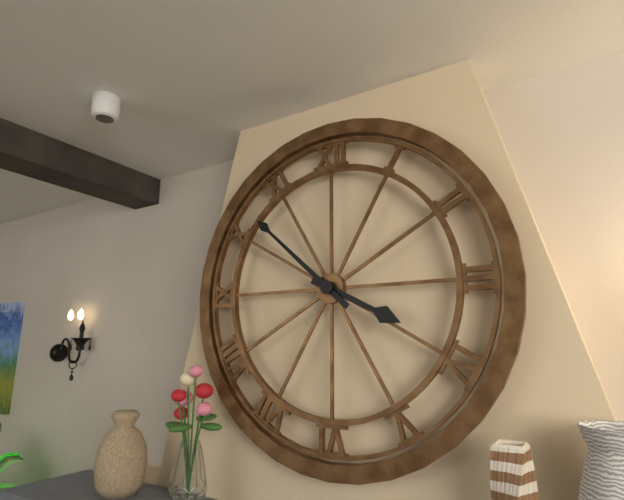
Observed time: **3:52**
